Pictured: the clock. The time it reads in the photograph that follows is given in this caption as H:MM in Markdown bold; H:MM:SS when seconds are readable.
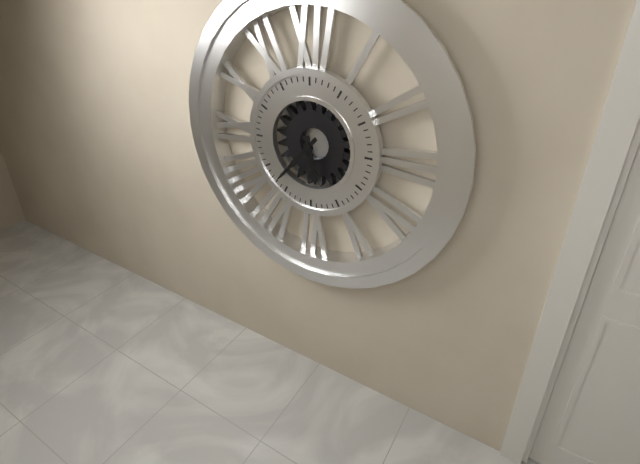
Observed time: **5:37**
